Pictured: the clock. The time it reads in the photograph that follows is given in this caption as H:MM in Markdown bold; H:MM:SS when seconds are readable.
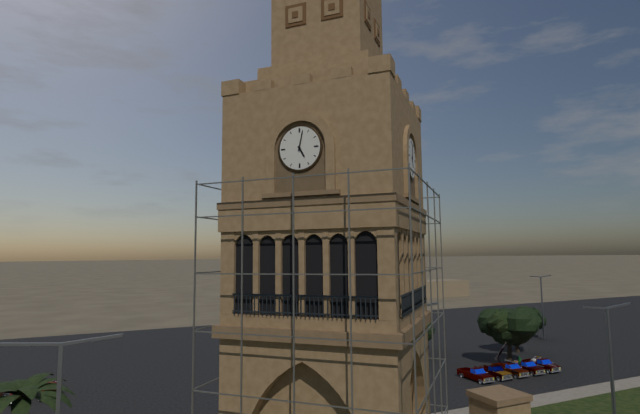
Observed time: **5:02**
